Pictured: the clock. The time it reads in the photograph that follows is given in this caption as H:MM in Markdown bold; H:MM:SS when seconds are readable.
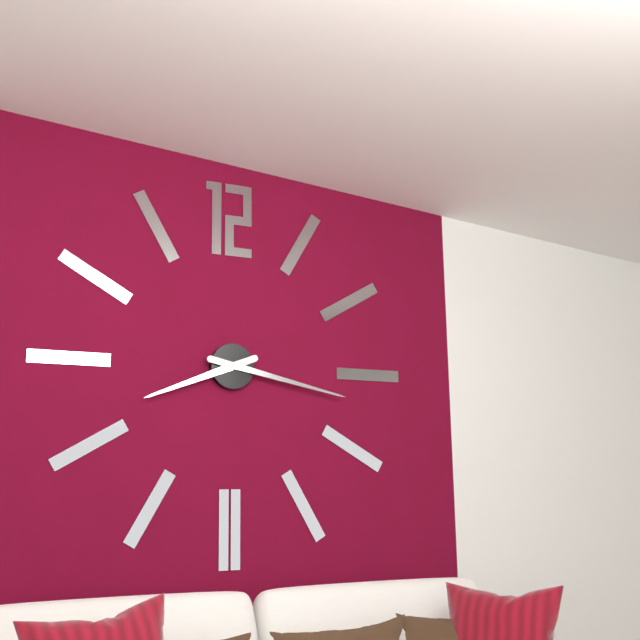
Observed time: **8:17**
